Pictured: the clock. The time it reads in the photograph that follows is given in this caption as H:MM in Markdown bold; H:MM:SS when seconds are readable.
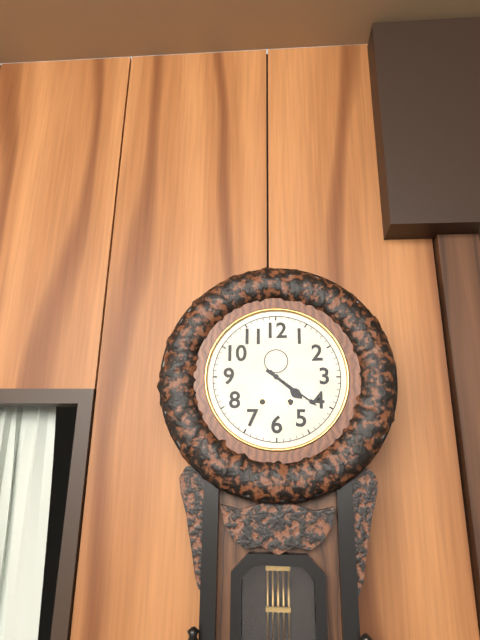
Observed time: **4:21**
